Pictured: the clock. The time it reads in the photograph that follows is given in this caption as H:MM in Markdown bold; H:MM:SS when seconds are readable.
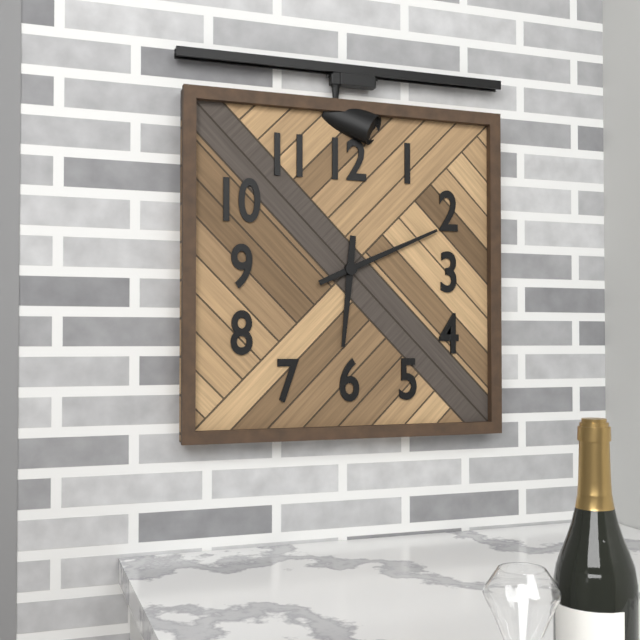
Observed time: **6:11**
